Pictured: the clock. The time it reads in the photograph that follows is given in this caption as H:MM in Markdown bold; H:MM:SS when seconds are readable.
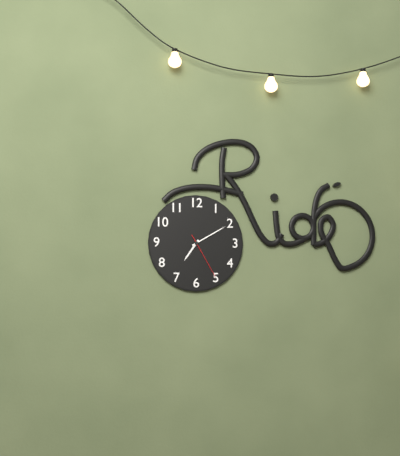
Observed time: **7:10**
